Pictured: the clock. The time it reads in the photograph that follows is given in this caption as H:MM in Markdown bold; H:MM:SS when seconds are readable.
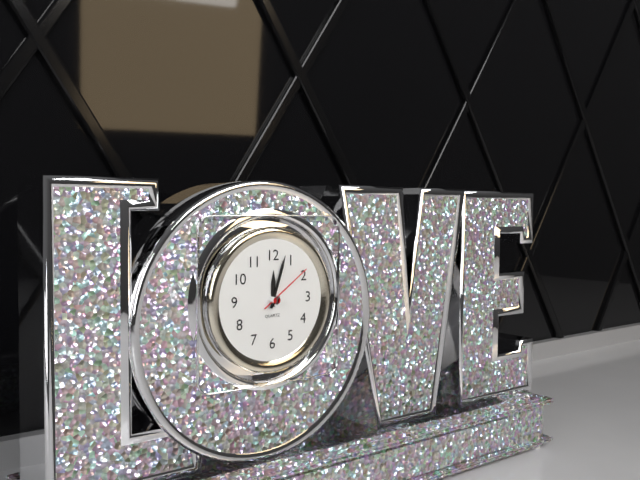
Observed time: **12:03:09**
